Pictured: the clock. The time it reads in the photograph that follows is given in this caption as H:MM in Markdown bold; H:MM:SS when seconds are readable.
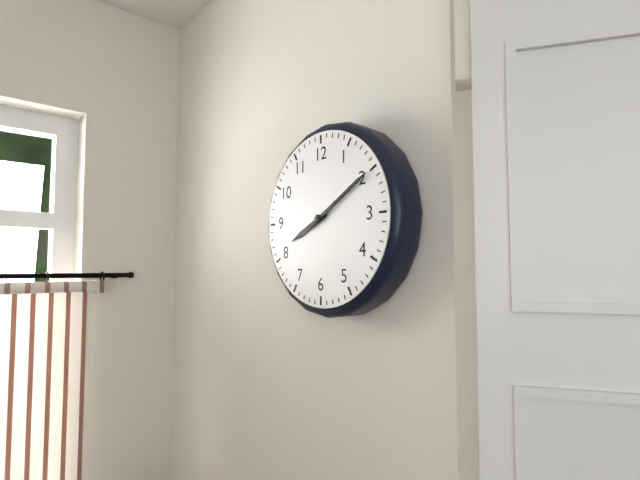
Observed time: **8:10**
